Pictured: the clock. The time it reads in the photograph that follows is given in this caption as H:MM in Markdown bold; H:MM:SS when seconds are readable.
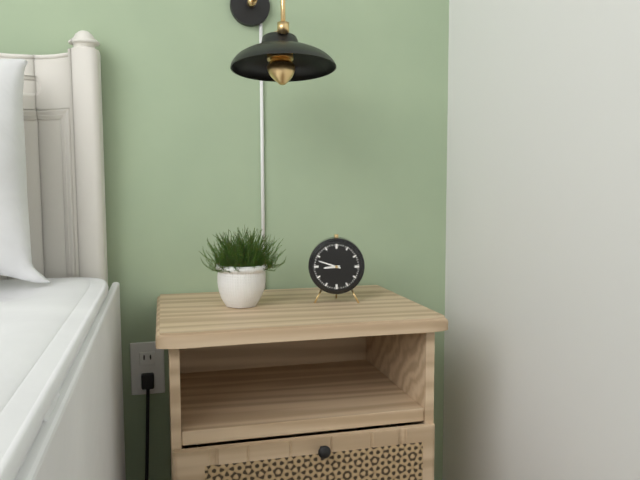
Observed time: **8:48**
